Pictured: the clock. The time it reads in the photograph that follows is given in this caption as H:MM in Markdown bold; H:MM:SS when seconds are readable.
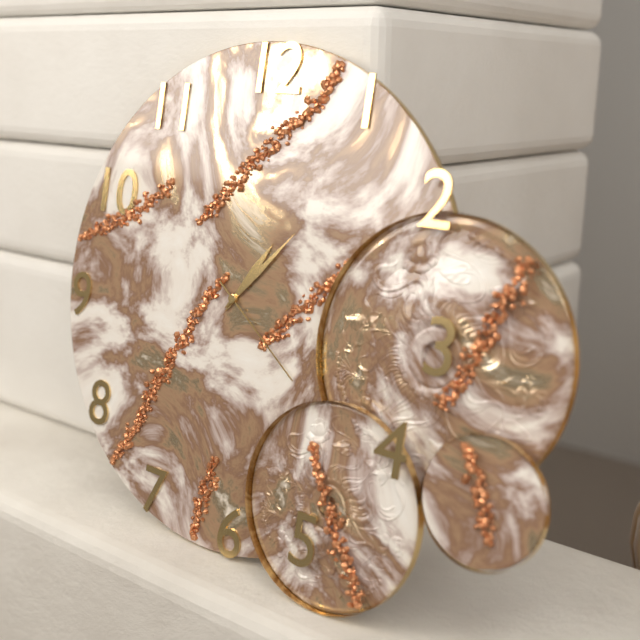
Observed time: **1:07:21**
